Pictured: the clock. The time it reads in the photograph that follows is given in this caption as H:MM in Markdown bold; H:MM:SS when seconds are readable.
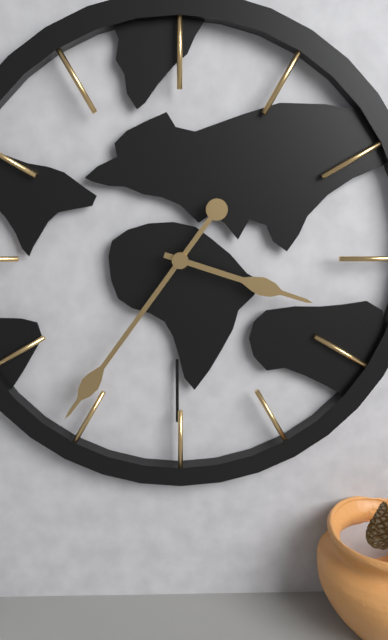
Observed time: **3:36**
